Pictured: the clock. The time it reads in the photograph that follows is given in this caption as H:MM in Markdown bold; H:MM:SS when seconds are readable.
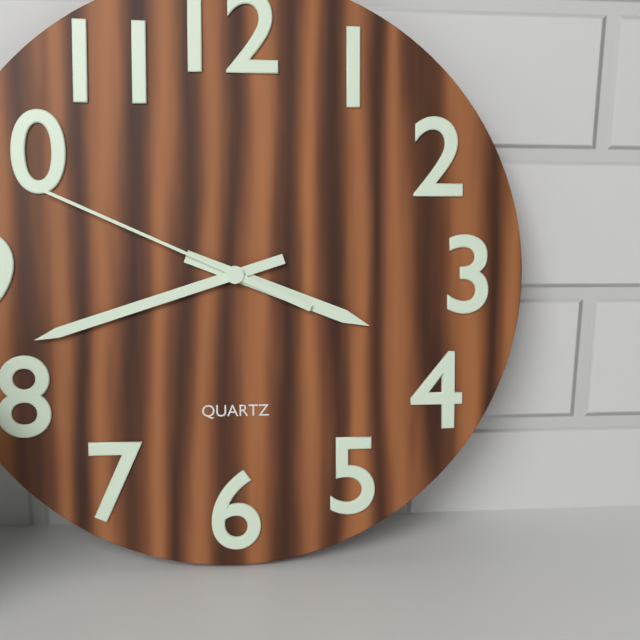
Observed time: **3:42:49**
